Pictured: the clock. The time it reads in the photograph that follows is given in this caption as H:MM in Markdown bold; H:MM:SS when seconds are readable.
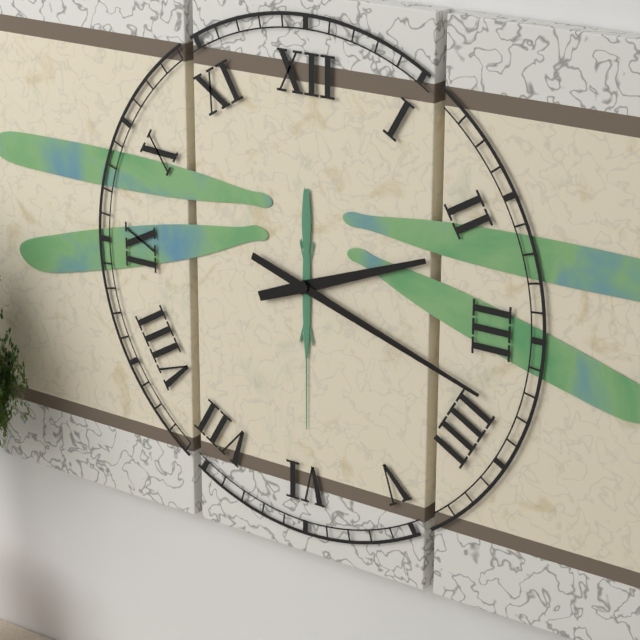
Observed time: **2:18**
